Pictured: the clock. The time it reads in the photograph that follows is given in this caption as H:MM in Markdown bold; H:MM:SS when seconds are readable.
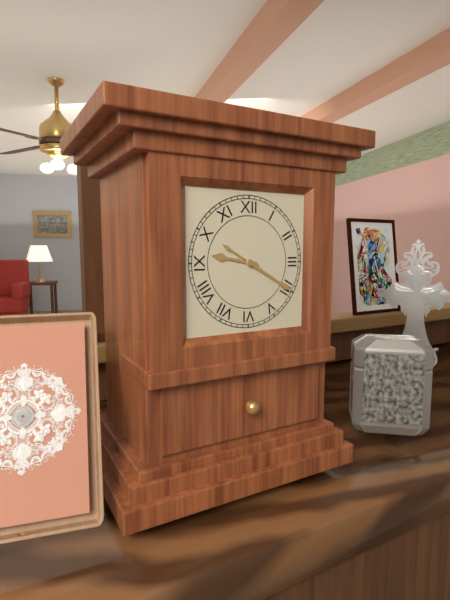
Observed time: **9:20**
